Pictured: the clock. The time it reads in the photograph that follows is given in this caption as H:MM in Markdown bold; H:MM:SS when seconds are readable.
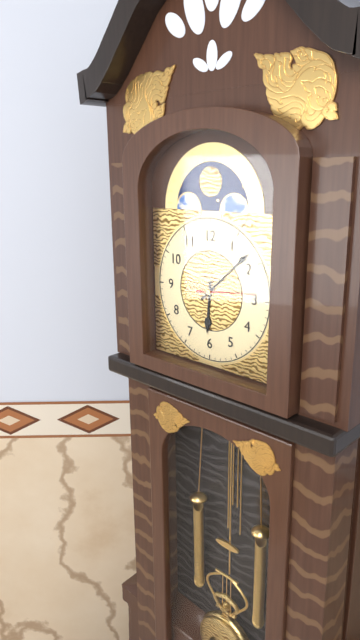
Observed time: **6:08:14**
